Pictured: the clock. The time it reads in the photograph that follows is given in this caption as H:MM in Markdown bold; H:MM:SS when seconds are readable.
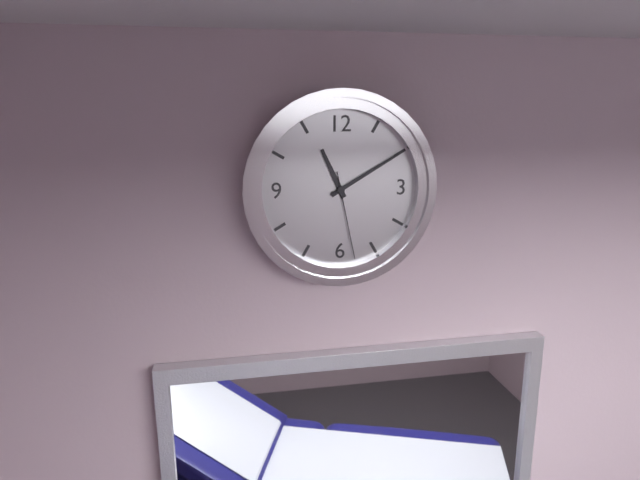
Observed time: **11:10:28**
